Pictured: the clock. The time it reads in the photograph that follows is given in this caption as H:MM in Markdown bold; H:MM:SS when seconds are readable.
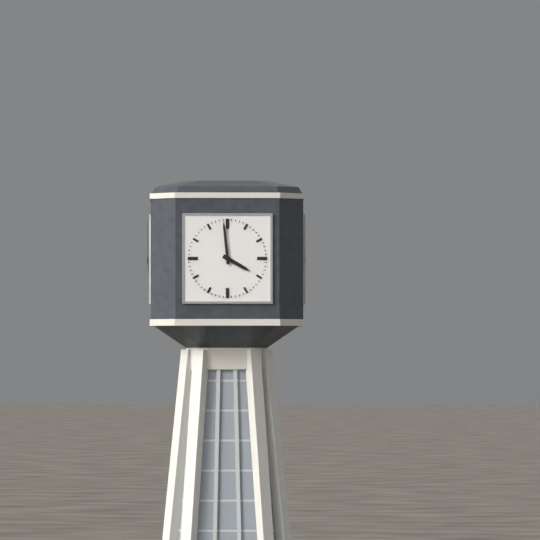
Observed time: **3:59**
